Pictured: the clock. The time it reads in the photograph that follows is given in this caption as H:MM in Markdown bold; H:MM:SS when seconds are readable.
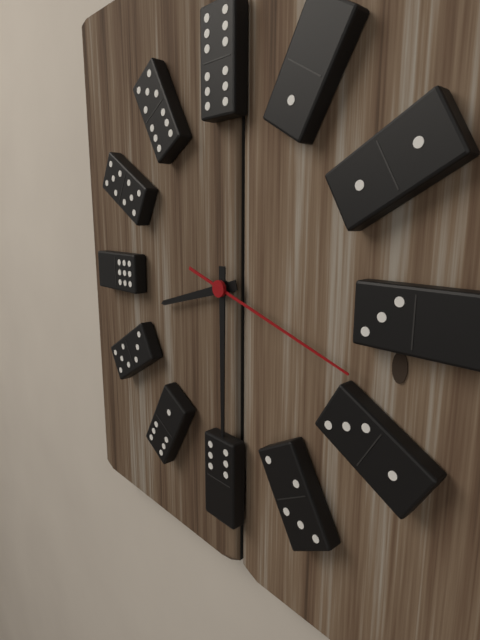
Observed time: **8:30:18**
